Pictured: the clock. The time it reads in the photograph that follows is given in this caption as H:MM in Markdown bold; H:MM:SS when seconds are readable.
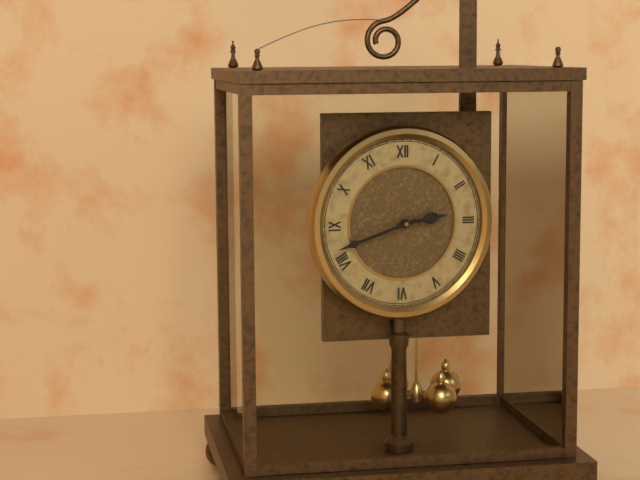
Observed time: **2:42**
